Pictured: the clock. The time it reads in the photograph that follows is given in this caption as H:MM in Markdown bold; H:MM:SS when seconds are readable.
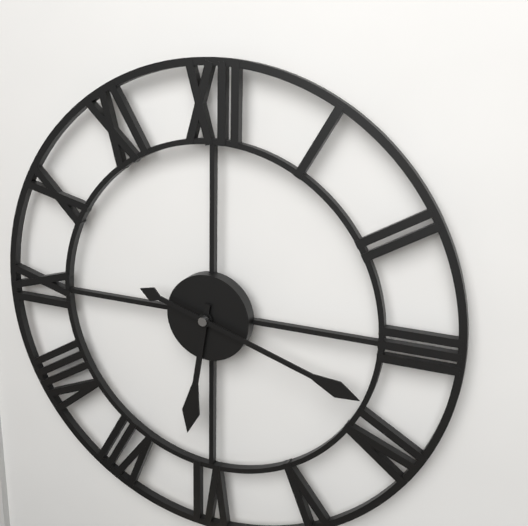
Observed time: **6:18**
